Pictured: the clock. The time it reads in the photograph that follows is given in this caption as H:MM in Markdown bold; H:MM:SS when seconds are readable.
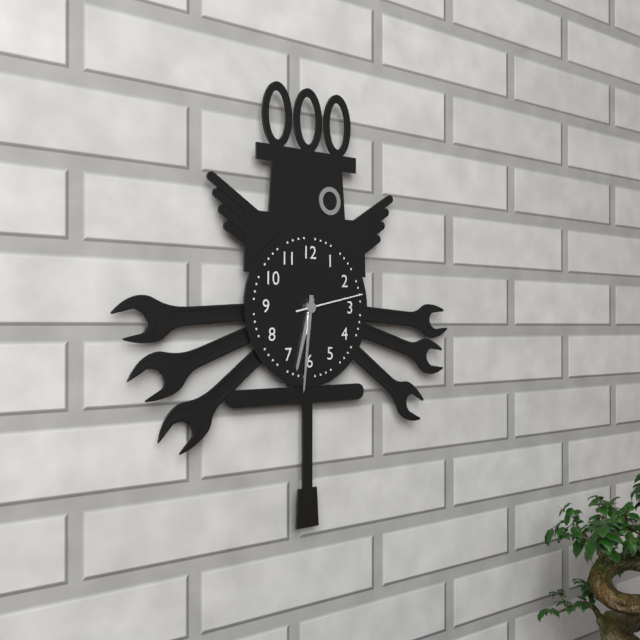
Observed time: **6:31:13**
